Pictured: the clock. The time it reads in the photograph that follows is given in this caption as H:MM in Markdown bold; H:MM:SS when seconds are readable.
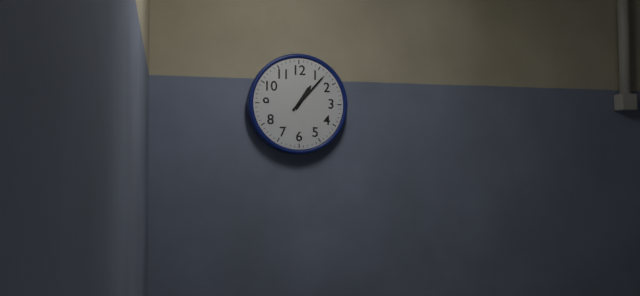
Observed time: **1:07**
